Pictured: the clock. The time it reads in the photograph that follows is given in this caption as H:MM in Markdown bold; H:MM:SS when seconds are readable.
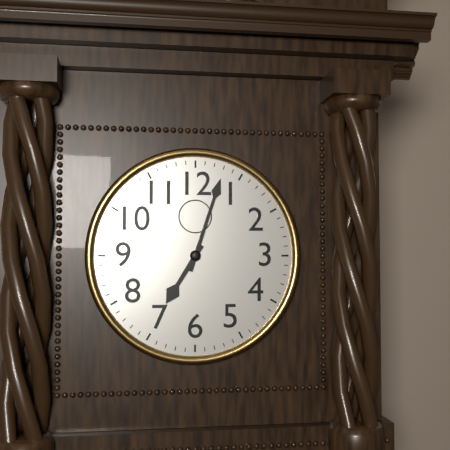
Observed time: **7:03**
